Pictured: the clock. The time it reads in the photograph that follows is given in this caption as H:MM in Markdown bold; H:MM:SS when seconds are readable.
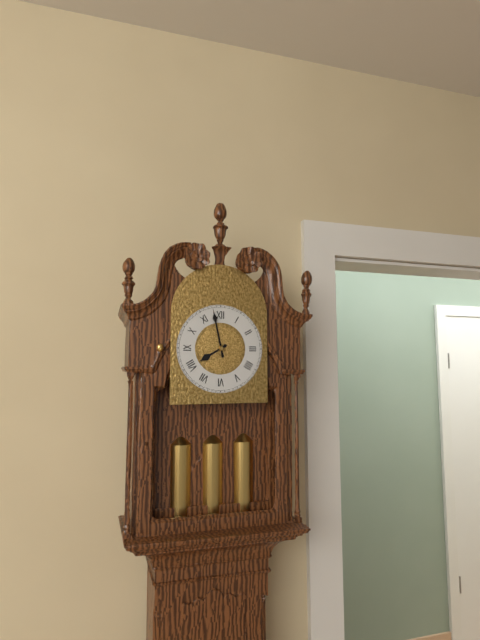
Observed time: **7:58**
